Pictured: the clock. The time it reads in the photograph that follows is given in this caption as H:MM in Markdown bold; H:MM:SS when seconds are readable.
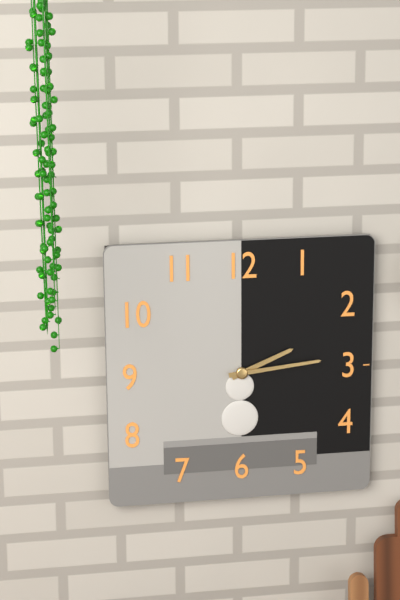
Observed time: **2:14**
